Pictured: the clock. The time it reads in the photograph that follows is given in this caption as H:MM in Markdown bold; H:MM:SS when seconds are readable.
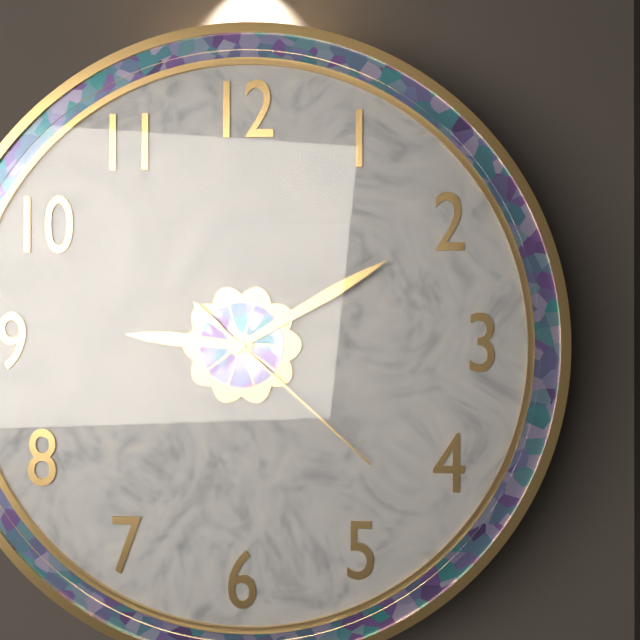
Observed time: **9:10:22**
